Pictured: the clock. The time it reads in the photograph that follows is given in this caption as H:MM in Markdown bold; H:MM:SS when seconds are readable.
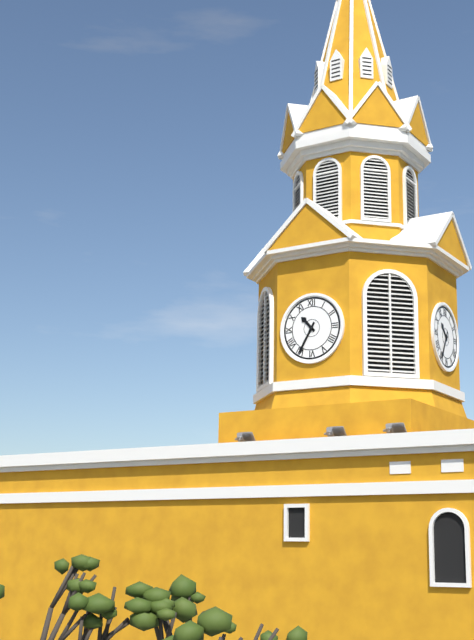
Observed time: **10:35**
